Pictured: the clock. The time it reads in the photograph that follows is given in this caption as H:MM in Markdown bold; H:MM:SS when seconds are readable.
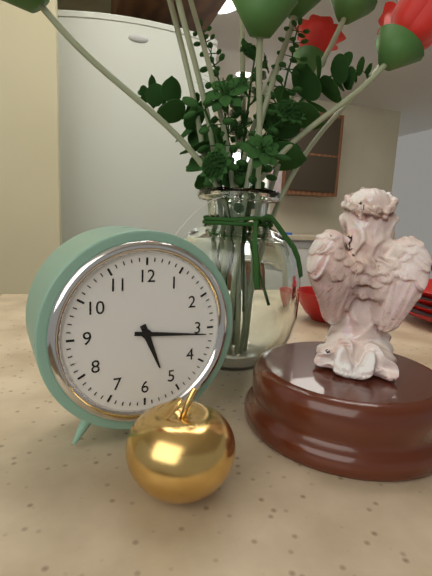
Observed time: **5:16**
